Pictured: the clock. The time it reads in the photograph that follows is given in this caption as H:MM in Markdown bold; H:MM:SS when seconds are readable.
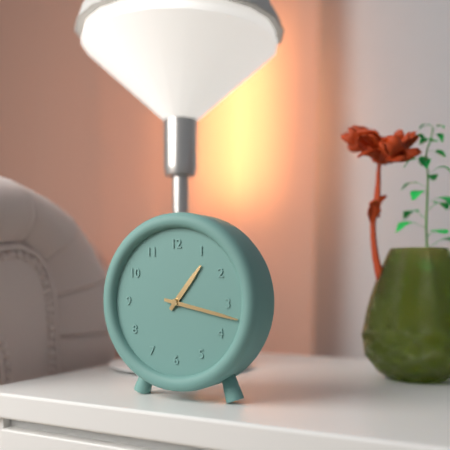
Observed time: **1:17**
